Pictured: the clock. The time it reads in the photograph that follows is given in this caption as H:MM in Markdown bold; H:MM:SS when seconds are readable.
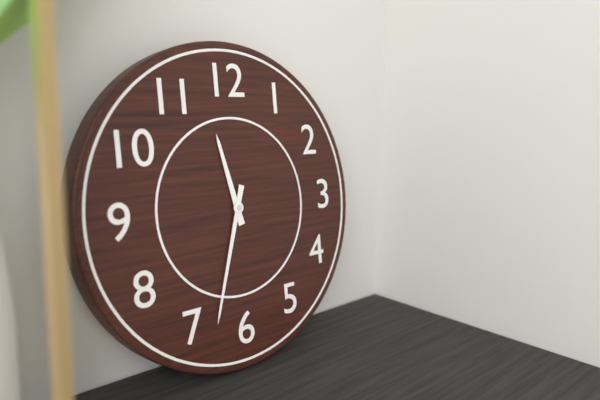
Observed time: **11:33**
